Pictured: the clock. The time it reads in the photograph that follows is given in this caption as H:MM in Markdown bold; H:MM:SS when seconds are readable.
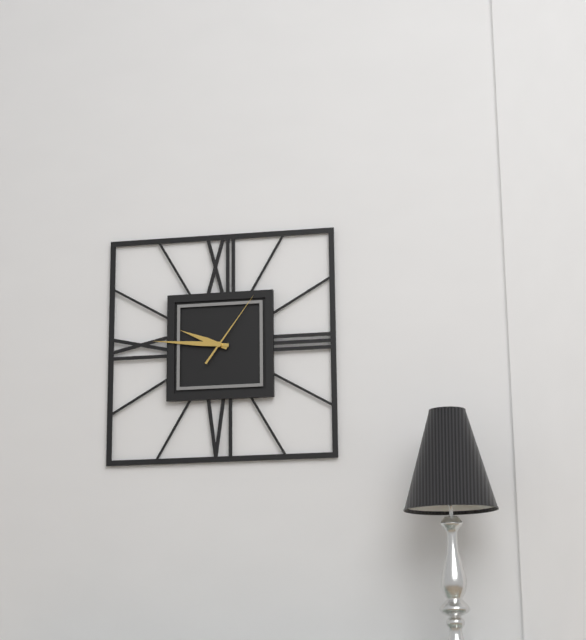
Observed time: **9:46:06**
